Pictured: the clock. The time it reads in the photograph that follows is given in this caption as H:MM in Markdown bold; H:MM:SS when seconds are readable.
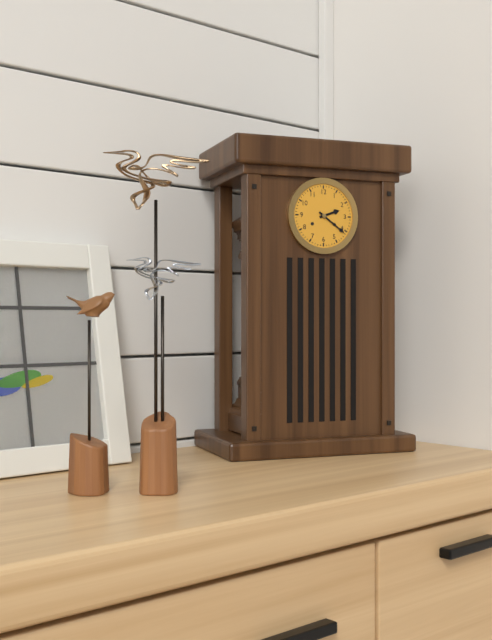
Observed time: **2:21**
